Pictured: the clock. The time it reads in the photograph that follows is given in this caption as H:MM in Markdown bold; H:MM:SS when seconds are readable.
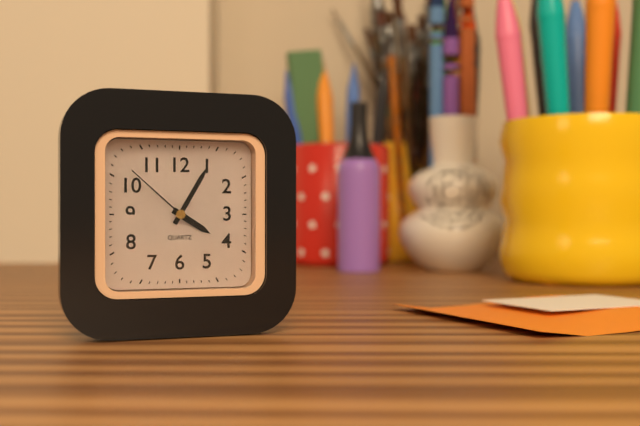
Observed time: **4:05:52**
